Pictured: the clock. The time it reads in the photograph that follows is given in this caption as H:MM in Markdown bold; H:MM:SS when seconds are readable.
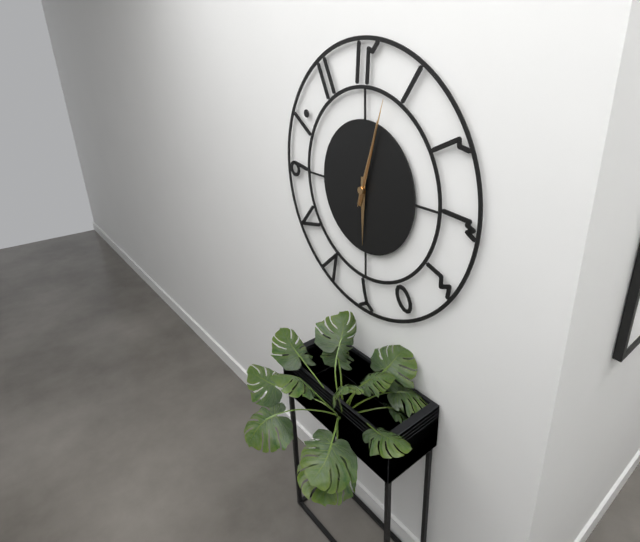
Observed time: **6:03:03**
